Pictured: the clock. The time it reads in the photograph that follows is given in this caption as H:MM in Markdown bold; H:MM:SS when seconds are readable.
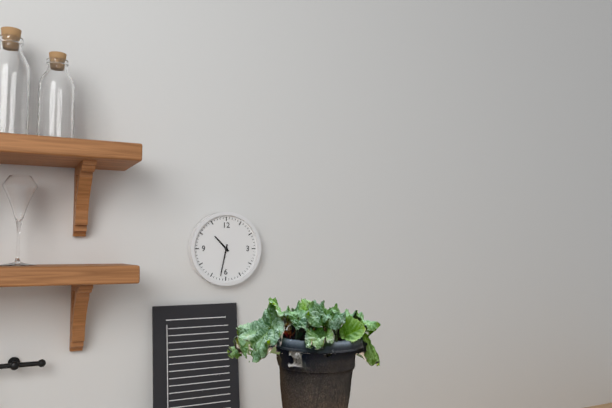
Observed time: **10:32**
